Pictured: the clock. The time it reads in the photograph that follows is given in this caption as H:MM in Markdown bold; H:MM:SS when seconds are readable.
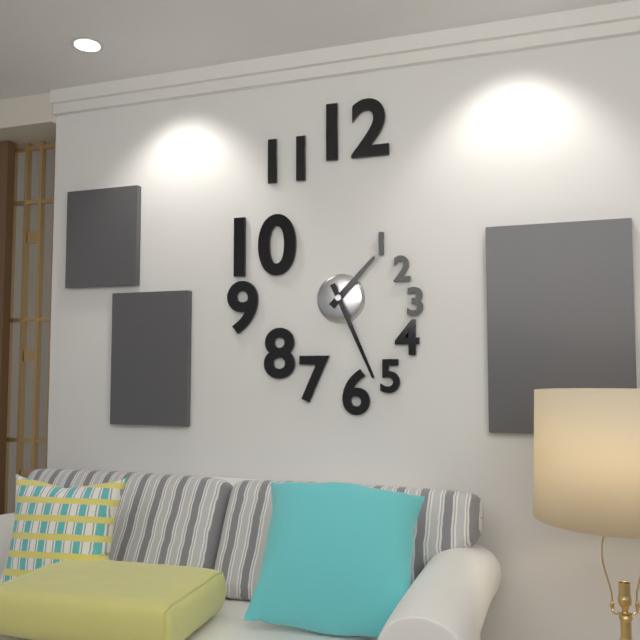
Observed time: **1:26**
